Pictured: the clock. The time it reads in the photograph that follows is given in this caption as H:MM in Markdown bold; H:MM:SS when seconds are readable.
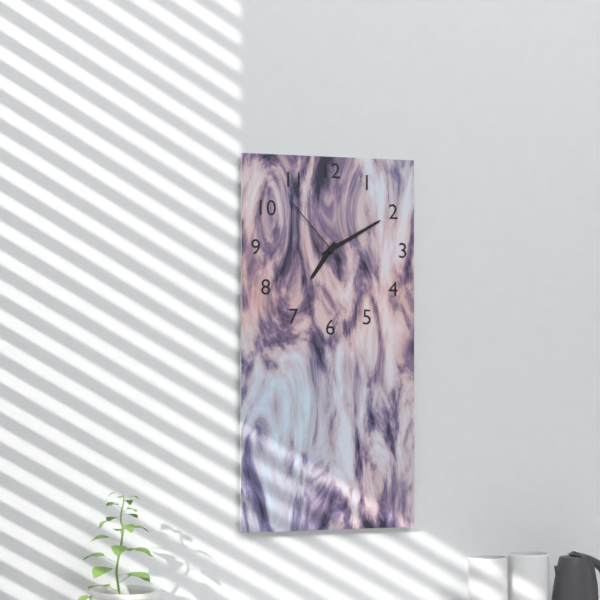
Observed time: **7:10:53**
